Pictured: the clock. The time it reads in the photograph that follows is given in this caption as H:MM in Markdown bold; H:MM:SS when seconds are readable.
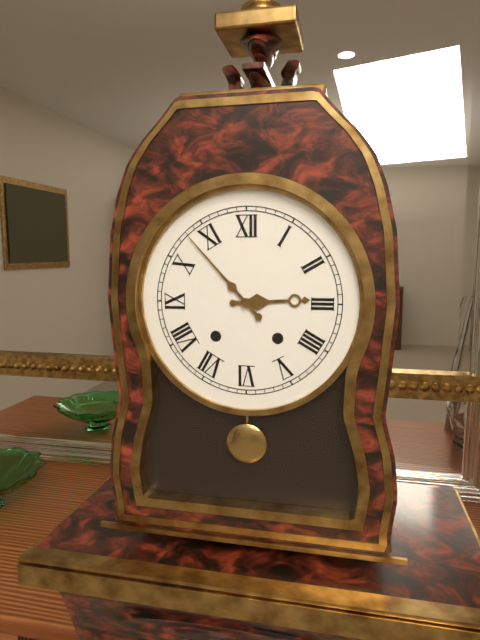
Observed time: **2:53**
